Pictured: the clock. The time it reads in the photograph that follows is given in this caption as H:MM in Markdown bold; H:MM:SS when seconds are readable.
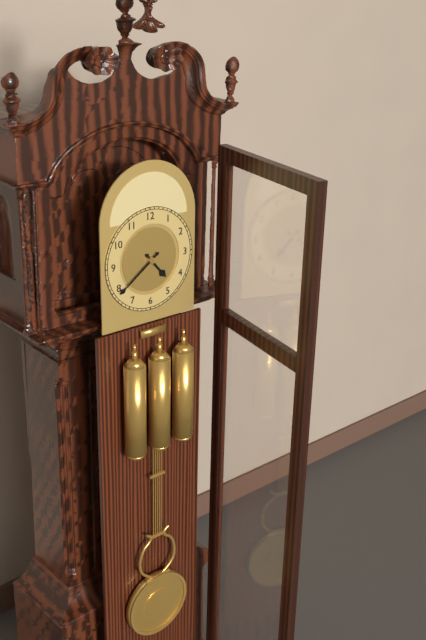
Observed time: **4:39**
